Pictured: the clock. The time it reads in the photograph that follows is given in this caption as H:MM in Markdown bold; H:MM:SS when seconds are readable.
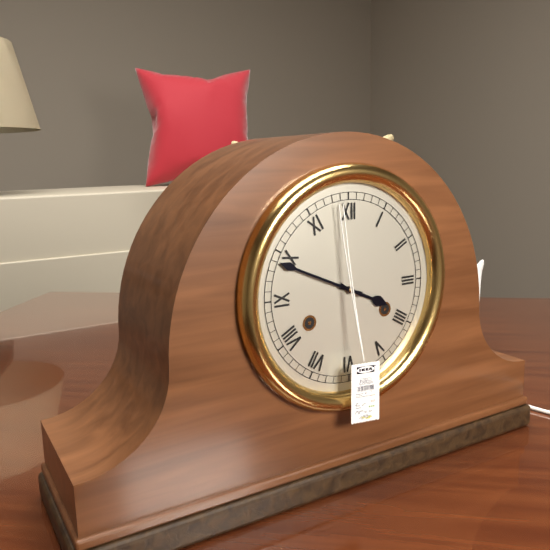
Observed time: **3:49**
